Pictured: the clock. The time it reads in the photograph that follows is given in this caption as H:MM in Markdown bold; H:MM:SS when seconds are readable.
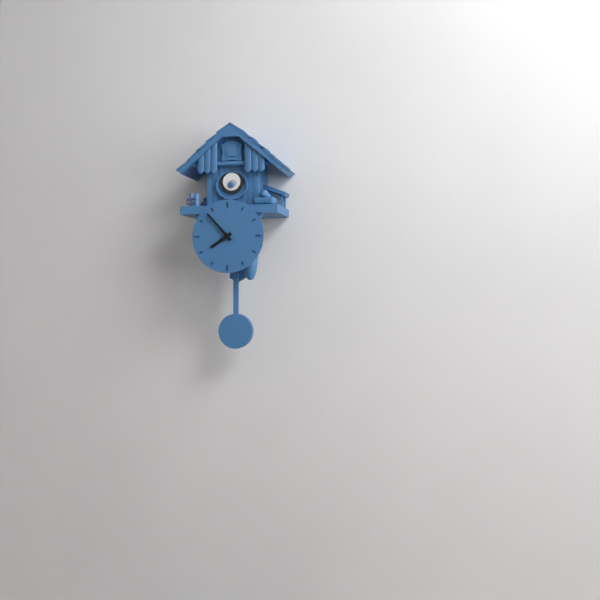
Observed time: **7:53**
